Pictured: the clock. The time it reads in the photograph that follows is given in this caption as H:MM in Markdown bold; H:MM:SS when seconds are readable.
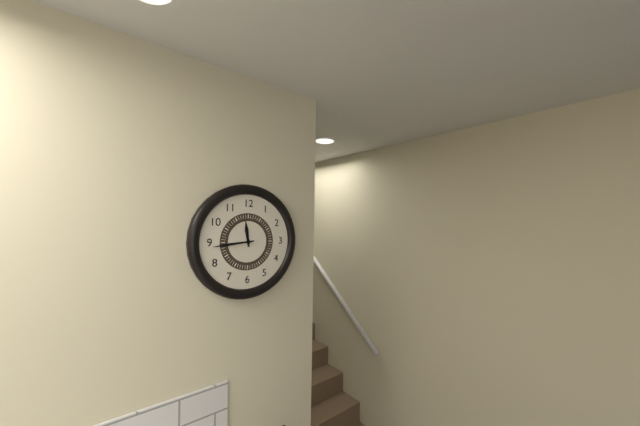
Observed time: **11:44**
